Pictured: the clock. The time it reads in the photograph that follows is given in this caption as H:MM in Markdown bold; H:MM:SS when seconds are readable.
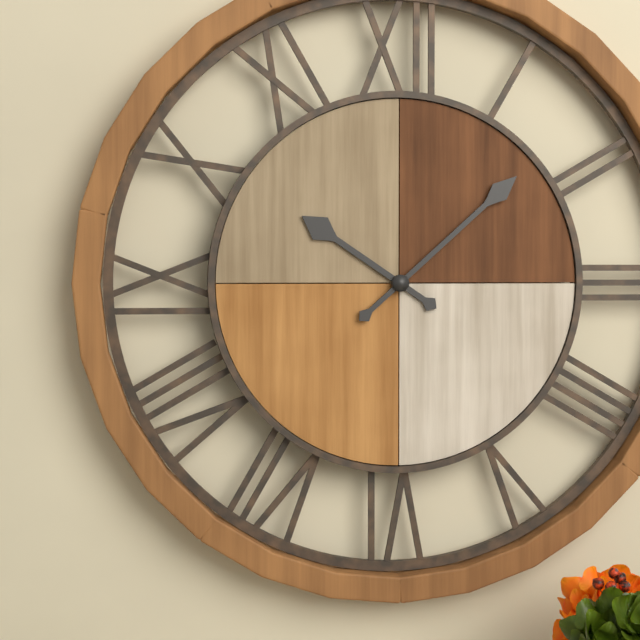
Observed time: **10:08**
